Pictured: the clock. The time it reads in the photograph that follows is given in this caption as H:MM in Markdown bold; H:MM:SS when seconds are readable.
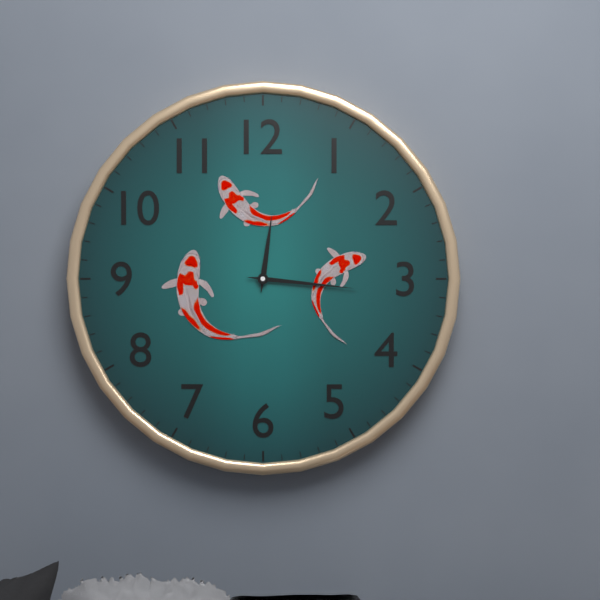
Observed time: **12:16**
